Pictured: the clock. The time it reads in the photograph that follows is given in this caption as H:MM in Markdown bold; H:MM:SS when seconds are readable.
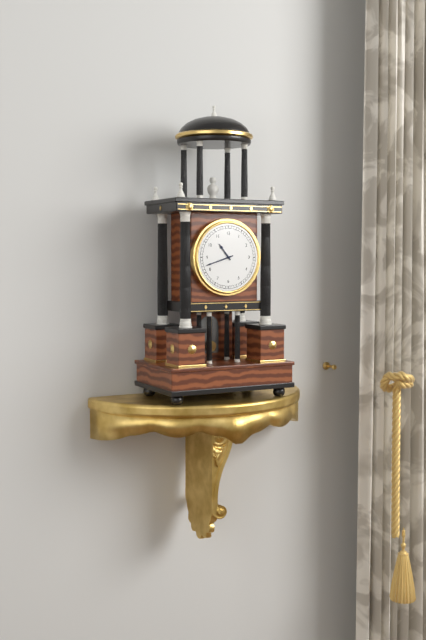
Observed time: **10:42**
